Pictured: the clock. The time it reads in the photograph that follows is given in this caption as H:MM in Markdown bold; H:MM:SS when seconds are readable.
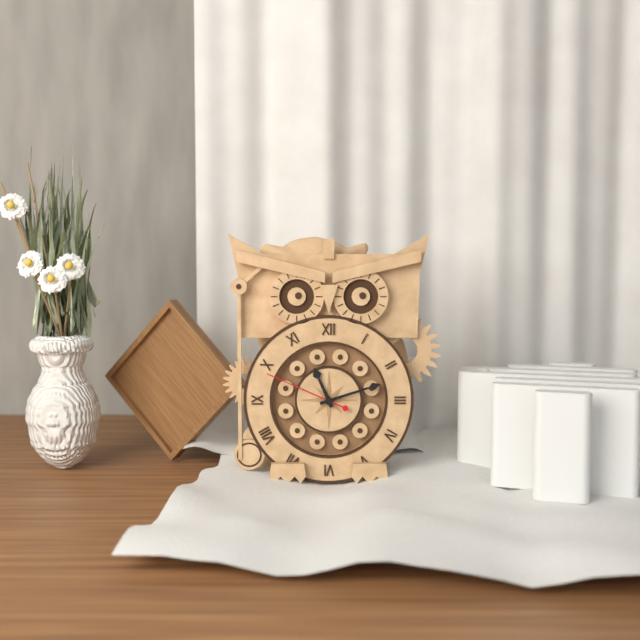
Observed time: **11:12:49**
